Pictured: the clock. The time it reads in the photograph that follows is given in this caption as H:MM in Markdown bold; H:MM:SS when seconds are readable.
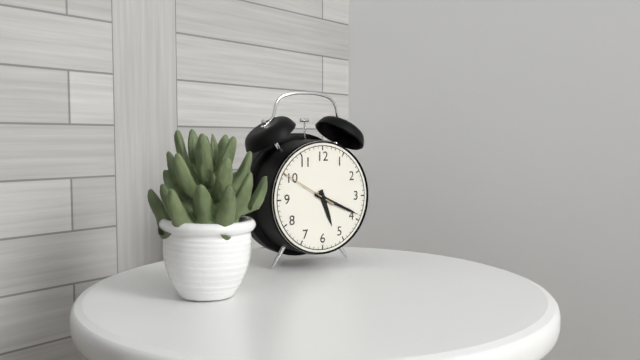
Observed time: **5:19:50**
